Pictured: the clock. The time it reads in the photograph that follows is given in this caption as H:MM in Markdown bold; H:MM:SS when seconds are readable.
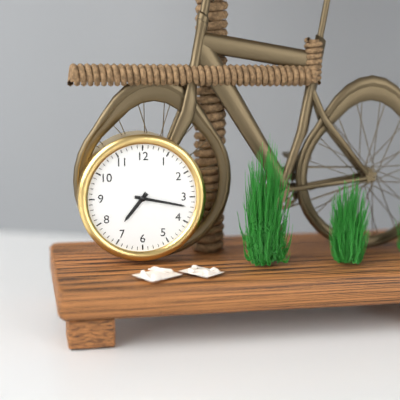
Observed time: **7:17**
